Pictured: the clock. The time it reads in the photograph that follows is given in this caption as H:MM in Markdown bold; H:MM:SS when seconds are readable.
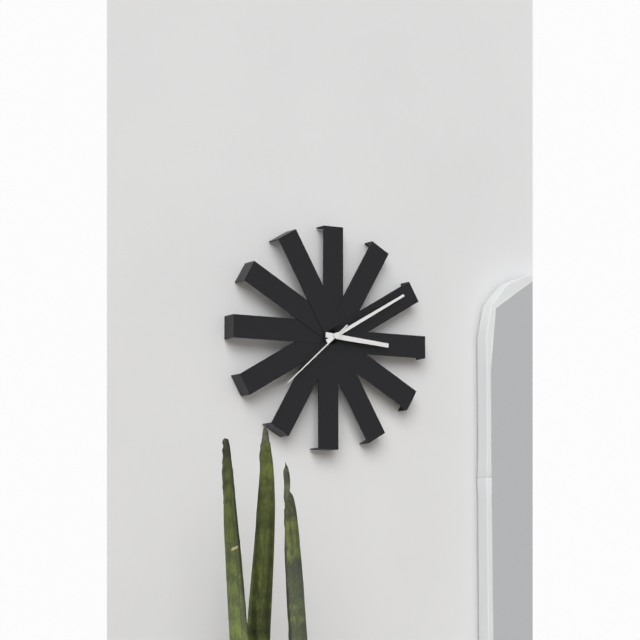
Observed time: **3:10:38**
